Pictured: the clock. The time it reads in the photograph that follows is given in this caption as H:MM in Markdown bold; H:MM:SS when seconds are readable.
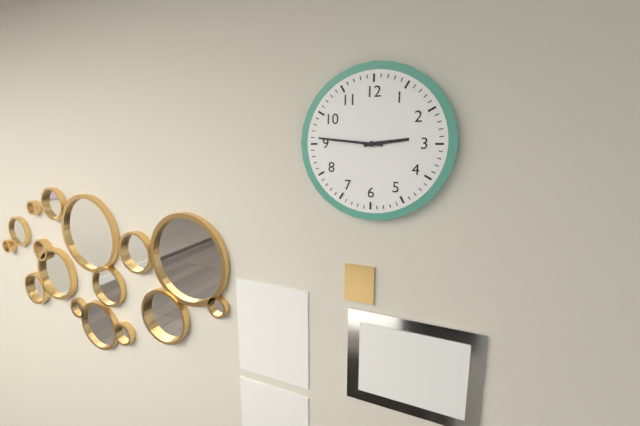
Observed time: **2:46**
